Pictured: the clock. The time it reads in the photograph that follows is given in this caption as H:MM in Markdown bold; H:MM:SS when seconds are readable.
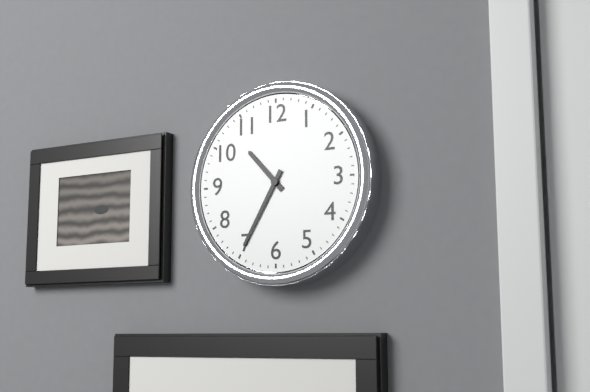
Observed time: **10:35**
